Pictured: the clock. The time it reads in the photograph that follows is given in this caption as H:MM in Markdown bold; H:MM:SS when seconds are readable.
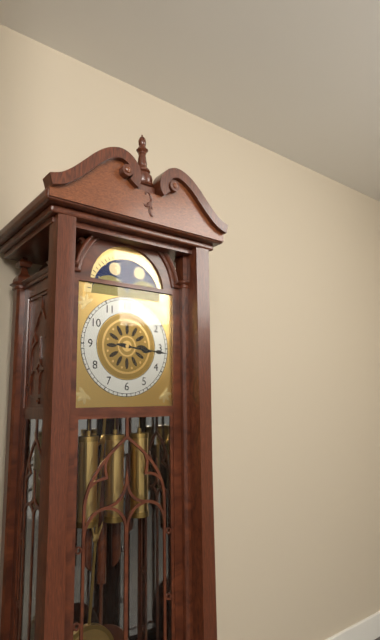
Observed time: **3:16**
